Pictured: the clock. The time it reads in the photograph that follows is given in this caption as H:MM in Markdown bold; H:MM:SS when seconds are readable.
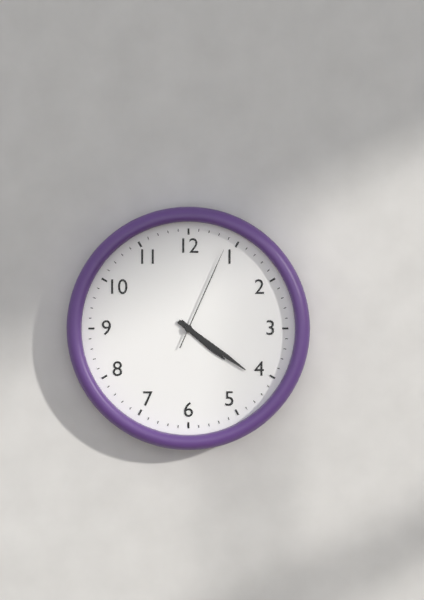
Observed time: **4:21:04**
